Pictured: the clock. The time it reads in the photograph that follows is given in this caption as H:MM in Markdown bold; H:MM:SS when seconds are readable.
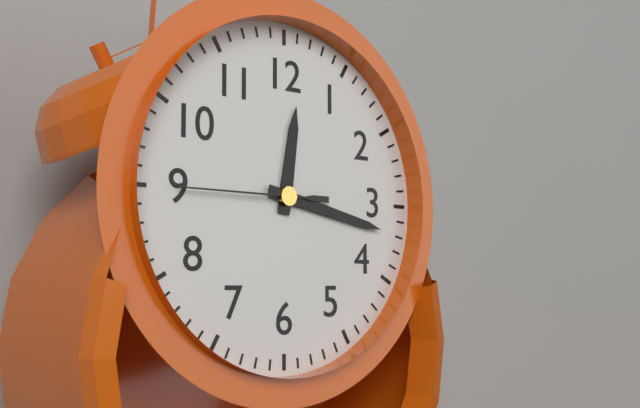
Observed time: **12:17:45**
